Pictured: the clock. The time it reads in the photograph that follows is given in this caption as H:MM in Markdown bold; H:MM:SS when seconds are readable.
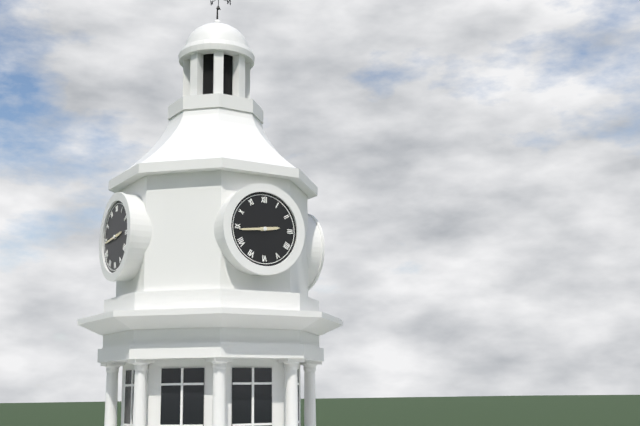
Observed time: **2:44**
